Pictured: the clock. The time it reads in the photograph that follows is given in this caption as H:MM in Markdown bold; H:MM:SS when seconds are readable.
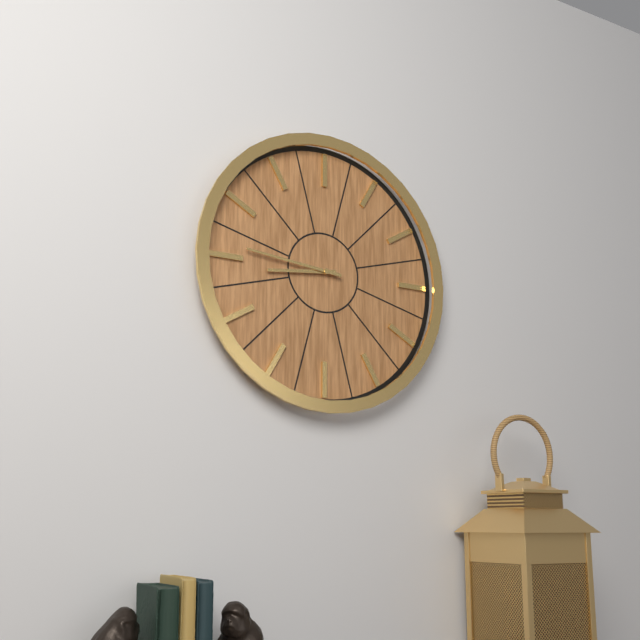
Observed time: **8:46**
